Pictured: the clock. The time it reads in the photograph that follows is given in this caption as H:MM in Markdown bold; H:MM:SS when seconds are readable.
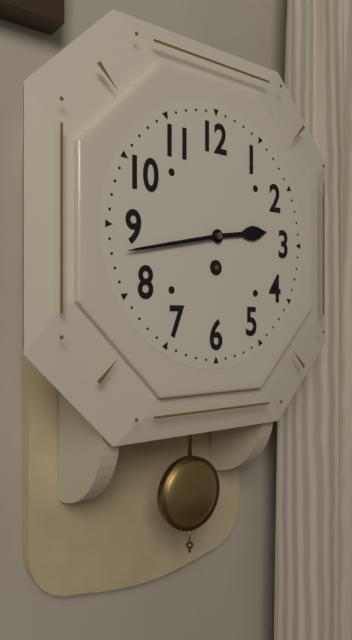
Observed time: **2:43**
